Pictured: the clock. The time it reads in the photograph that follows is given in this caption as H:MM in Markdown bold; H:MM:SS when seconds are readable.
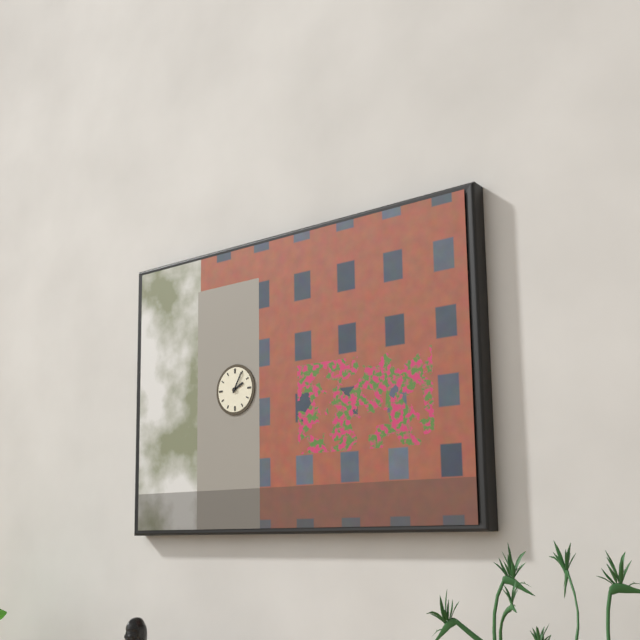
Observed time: **2:05**
